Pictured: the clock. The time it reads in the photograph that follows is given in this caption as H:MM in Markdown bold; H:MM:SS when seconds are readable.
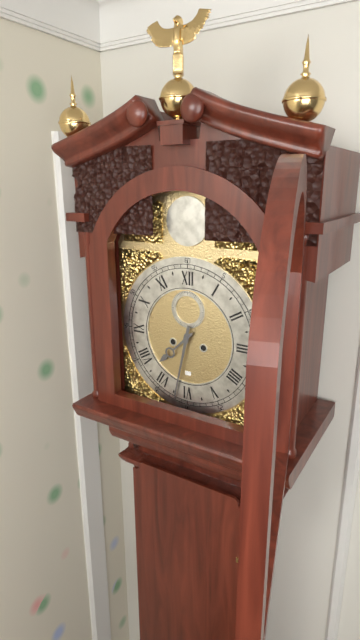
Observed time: **7:32**
